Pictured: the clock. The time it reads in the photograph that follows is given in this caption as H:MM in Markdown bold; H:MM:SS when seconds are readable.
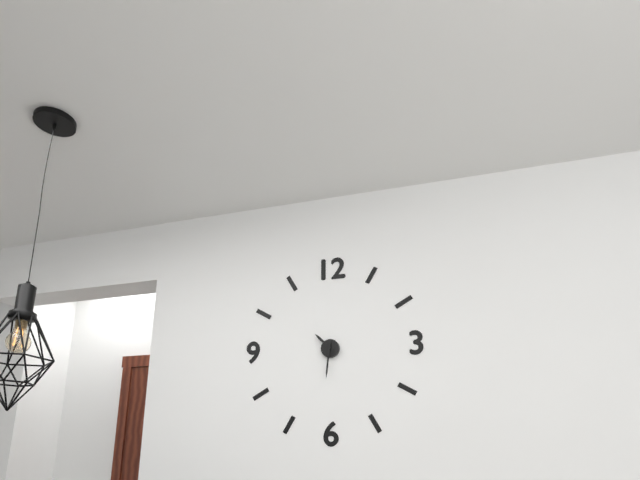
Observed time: **10:31**
